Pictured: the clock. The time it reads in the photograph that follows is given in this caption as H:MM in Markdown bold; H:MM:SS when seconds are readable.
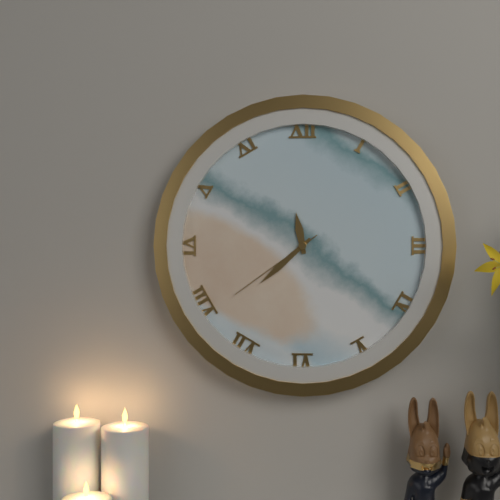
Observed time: **11:38:39**
